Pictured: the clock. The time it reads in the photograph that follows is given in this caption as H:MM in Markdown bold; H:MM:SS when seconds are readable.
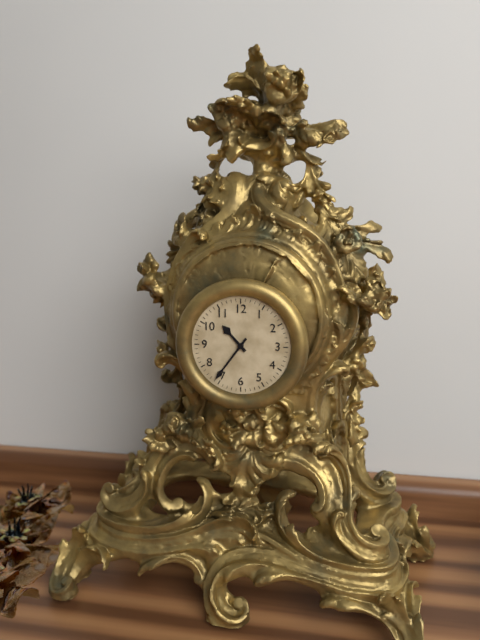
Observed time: **10:36**
